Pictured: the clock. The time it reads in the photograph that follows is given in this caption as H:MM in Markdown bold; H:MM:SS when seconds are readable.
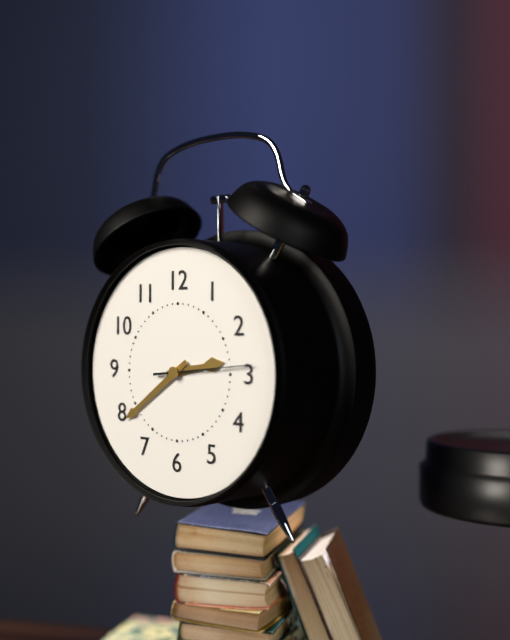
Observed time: **2:39:14**
